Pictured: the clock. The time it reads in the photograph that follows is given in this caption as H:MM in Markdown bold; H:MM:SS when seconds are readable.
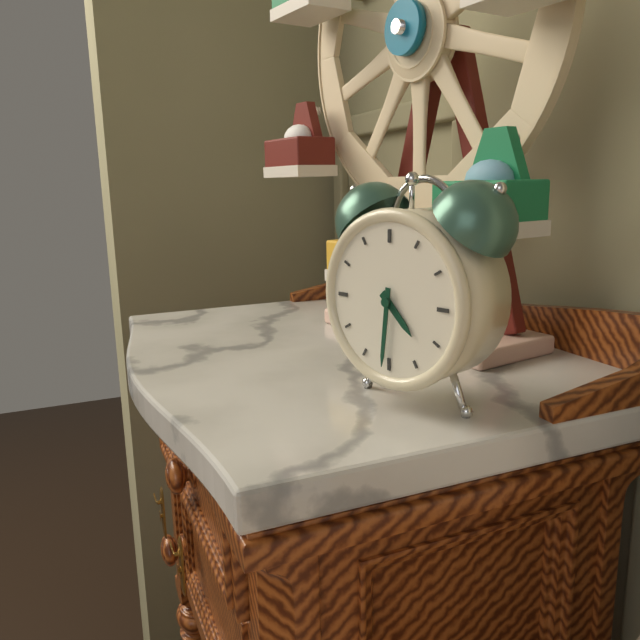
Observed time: **4:31**
